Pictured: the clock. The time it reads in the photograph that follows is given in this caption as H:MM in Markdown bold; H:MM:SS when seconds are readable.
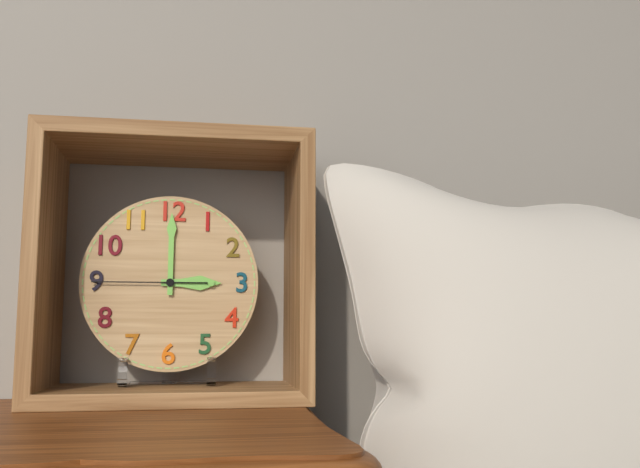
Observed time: **3:00:45**
